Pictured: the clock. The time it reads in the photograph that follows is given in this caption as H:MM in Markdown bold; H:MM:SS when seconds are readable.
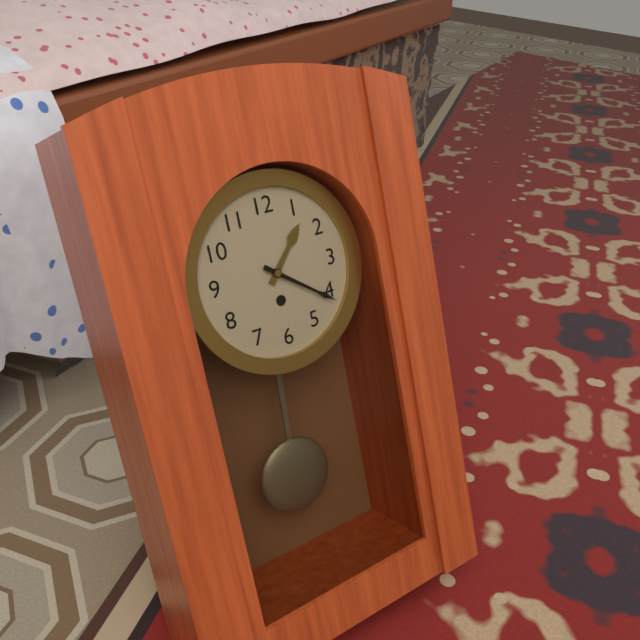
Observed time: **1:21**
